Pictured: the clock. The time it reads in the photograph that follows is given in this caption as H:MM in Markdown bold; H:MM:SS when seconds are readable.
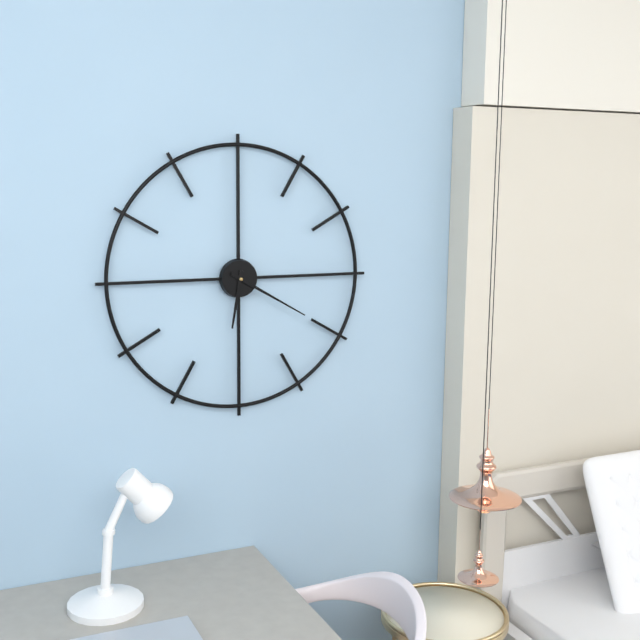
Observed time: **6:20**
